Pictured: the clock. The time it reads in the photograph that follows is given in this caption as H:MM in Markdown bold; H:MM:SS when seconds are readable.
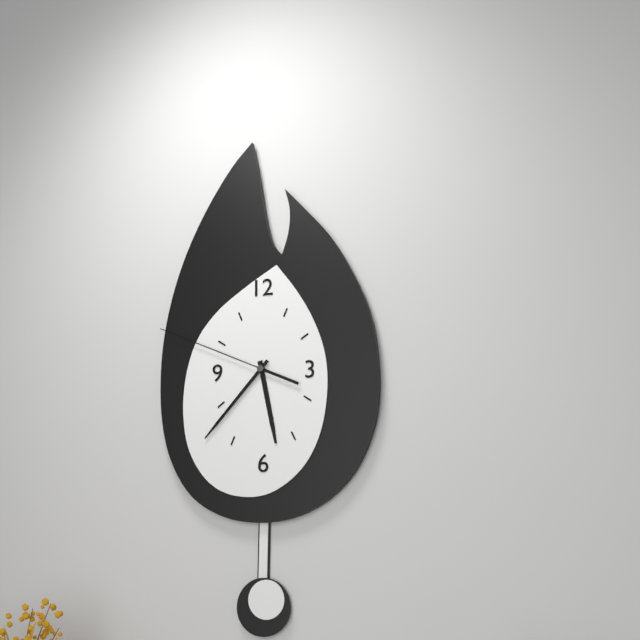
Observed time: **5:37:49**
